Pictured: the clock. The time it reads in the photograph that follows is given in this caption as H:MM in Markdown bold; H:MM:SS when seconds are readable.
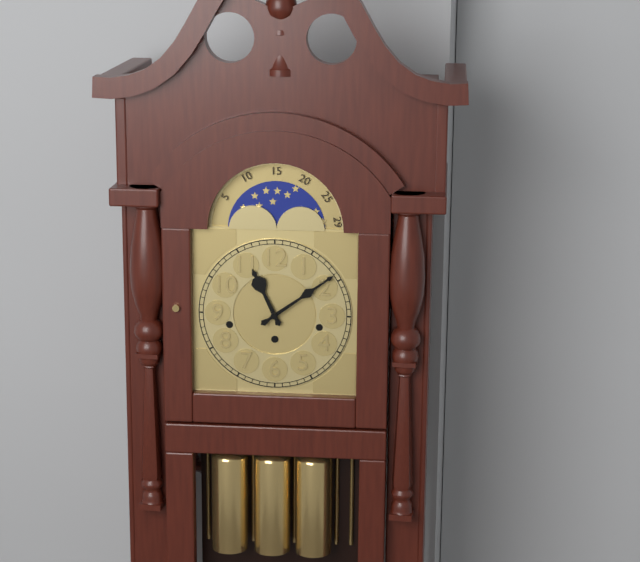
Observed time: **11:09**
